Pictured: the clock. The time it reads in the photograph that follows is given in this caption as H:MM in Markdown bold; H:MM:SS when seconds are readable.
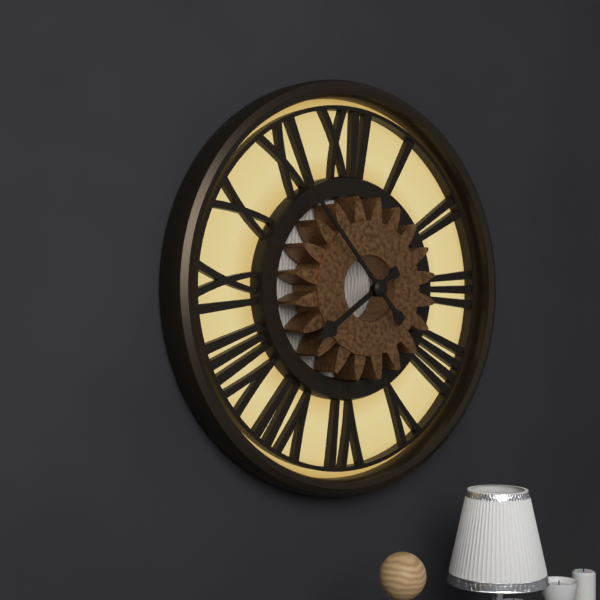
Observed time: **7:53**
